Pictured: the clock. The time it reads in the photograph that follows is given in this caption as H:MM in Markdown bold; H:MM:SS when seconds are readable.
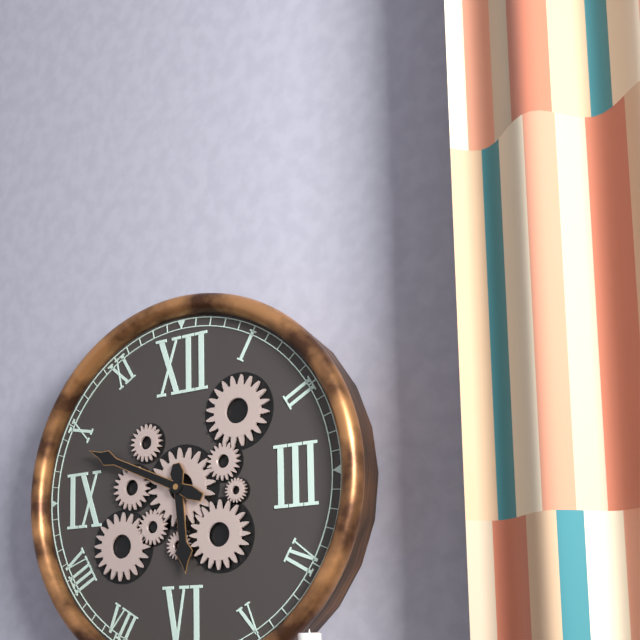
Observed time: **5:49**
